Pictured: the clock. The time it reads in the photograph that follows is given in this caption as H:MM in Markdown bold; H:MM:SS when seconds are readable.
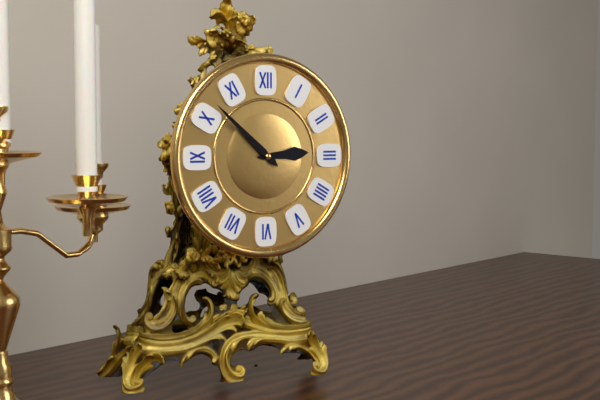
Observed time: **2:52**
